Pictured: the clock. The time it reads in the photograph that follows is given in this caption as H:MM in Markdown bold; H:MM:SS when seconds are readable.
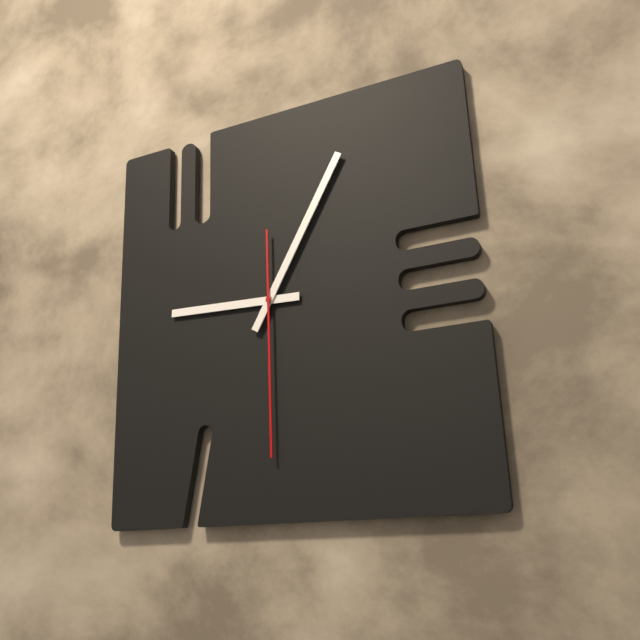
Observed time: **9:05:30**
